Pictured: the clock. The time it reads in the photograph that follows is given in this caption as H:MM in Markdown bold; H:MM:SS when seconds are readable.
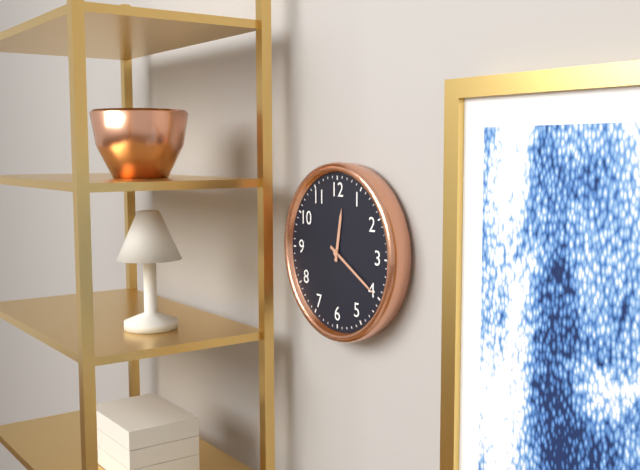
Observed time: **12:20**
